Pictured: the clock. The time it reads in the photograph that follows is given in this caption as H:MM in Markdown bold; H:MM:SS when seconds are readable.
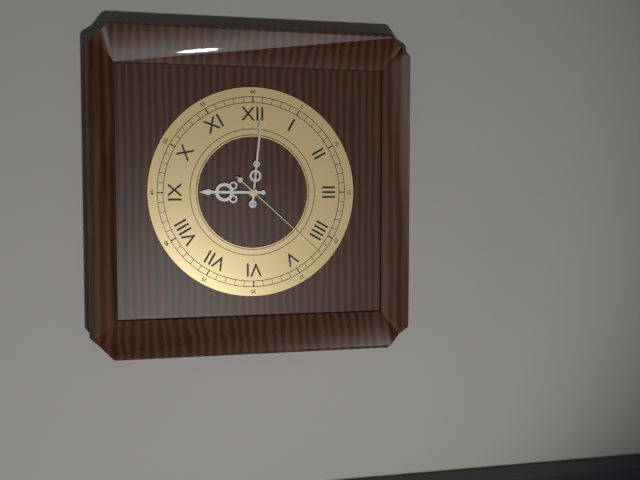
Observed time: **9:01:22**
